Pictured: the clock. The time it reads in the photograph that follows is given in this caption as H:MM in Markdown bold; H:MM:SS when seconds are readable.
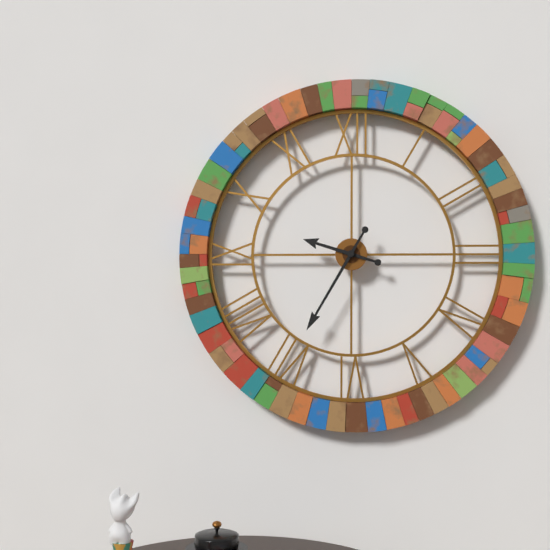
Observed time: **9:35**
